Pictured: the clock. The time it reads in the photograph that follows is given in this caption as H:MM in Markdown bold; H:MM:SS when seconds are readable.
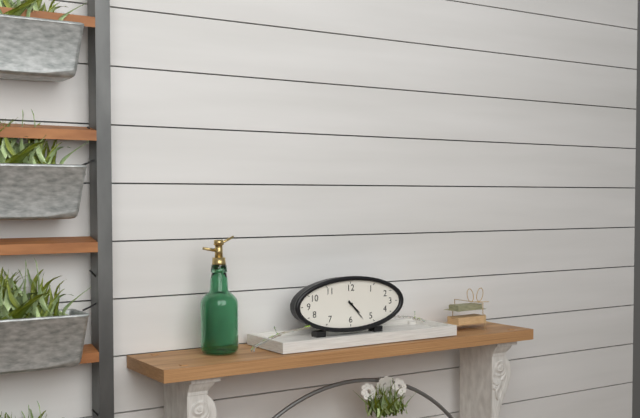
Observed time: **4:23**
